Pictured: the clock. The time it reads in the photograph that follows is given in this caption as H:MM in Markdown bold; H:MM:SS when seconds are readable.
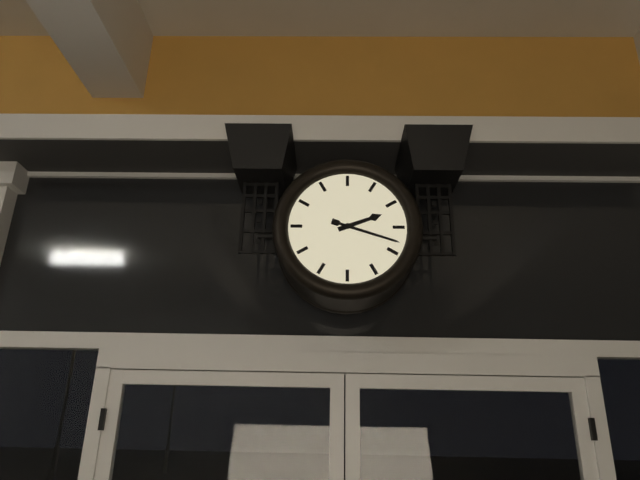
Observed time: **2:18**
